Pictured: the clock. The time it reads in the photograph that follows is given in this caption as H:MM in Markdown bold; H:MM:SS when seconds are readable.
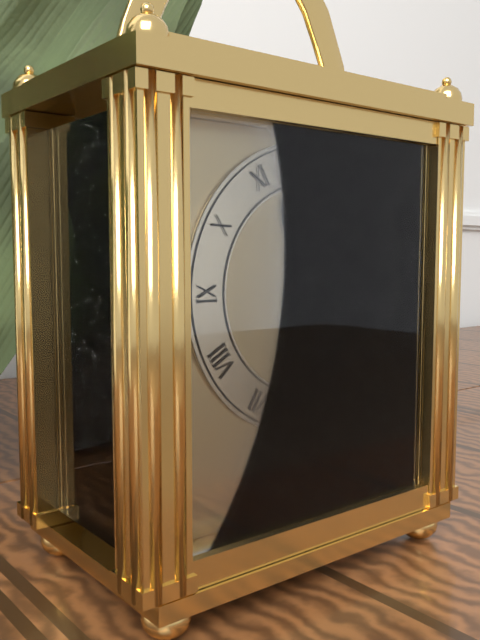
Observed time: **11:23**
